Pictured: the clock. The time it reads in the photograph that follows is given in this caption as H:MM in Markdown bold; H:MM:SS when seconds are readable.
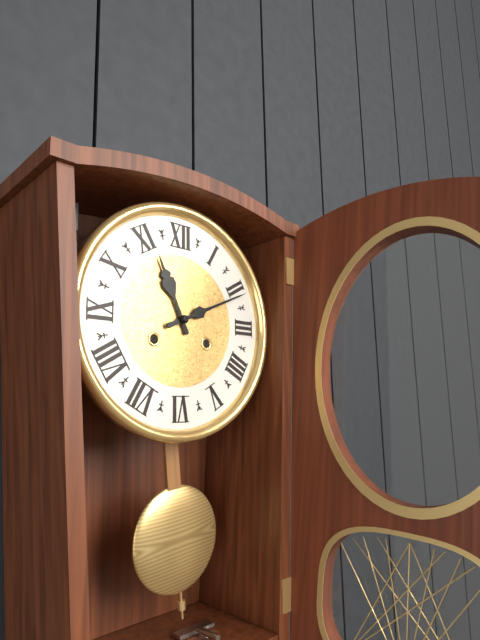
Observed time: **11:11**
